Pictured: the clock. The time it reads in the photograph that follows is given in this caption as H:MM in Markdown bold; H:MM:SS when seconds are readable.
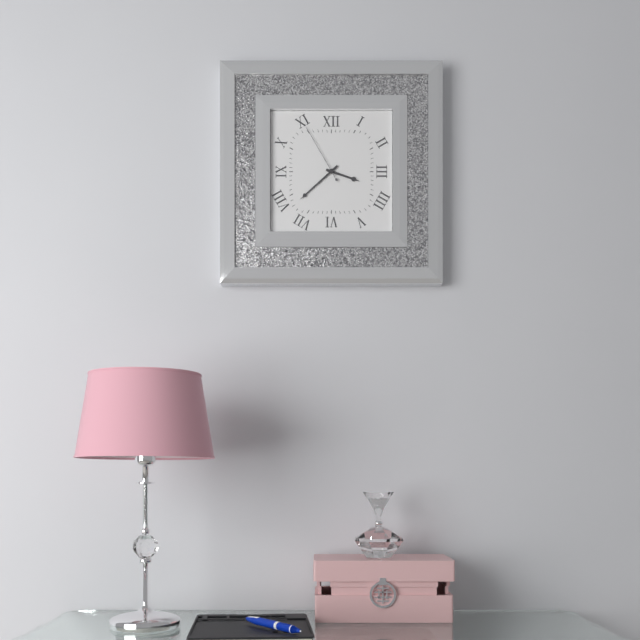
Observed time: **3:38:55**
